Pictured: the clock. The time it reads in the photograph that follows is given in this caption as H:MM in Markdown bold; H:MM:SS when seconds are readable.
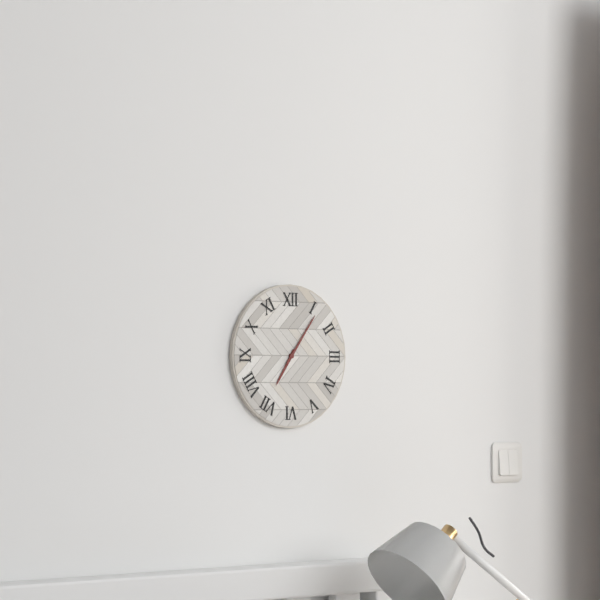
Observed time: **7:06**
